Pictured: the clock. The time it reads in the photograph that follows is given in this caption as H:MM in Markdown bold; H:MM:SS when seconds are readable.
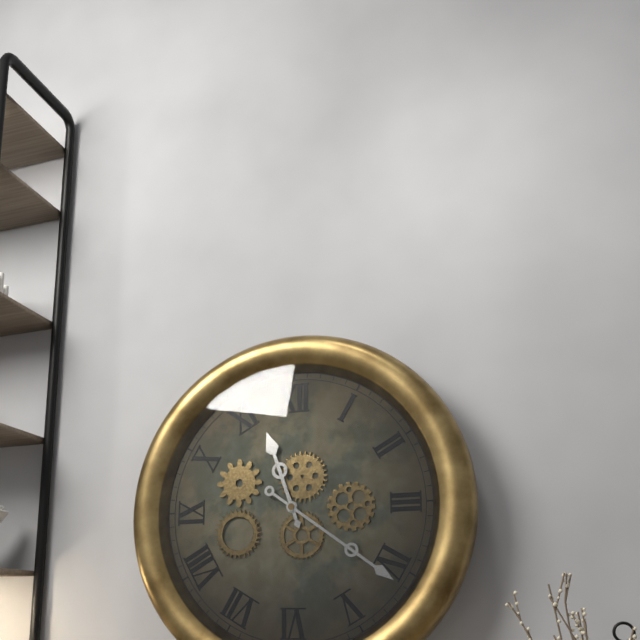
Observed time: **11:21**
